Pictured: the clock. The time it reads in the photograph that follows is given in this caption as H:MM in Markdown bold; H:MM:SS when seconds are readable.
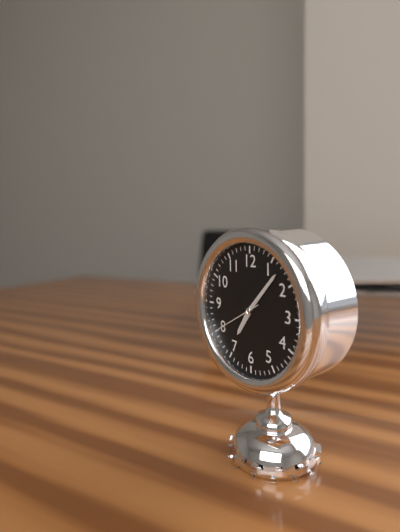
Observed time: **7:07**
